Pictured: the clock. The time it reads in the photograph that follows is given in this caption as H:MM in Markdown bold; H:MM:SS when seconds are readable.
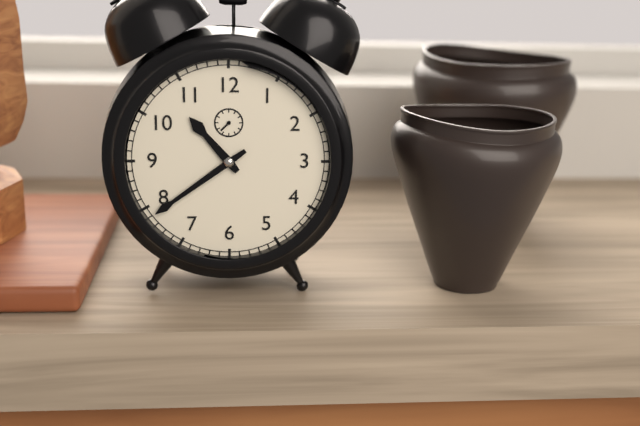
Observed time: **10:39**
